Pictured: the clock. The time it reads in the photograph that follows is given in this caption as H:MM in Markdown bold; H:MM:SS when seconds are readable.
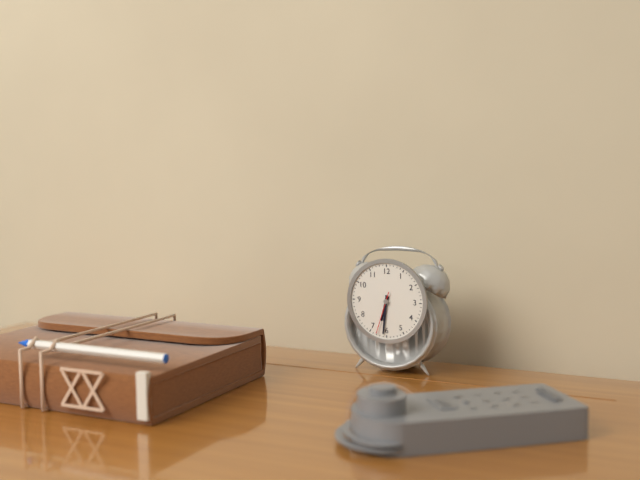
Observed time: **6:31**
